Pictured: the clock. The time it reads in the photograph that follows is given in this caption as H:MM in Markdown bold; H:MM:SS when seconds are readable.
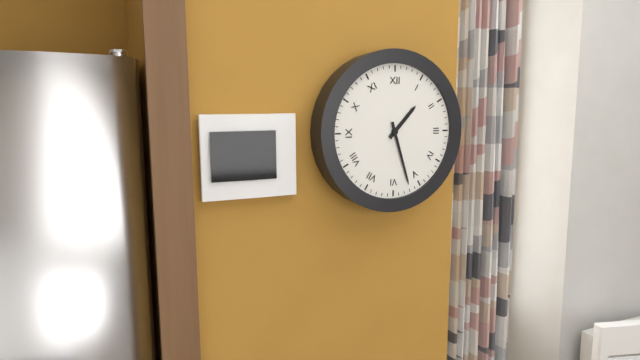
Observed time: **1:27**
